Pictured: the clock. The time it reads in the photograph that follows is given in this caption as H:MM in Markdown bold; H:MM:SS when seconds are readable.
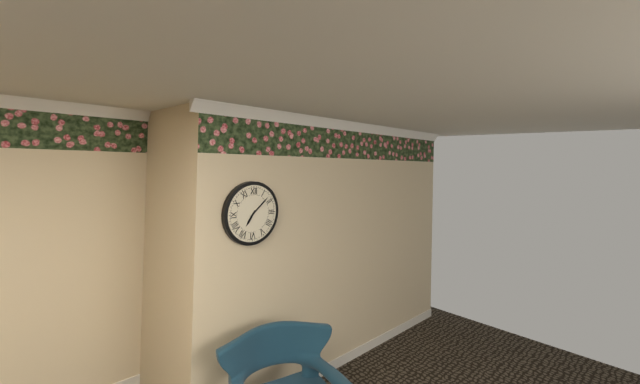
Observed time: **7:08**
